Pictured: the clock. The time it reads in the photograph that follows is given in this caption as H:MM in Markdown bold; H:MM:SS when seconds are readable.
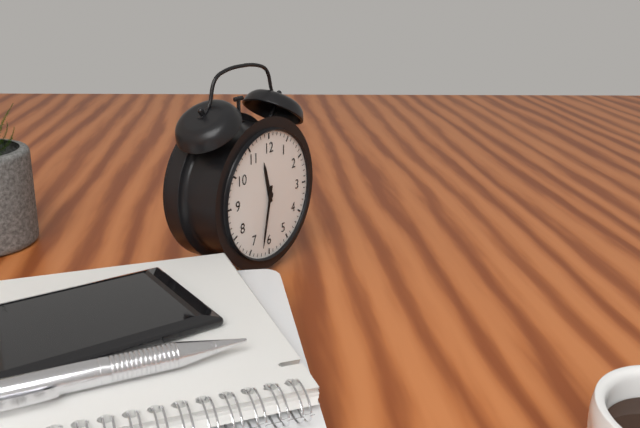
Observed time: **11:32**
